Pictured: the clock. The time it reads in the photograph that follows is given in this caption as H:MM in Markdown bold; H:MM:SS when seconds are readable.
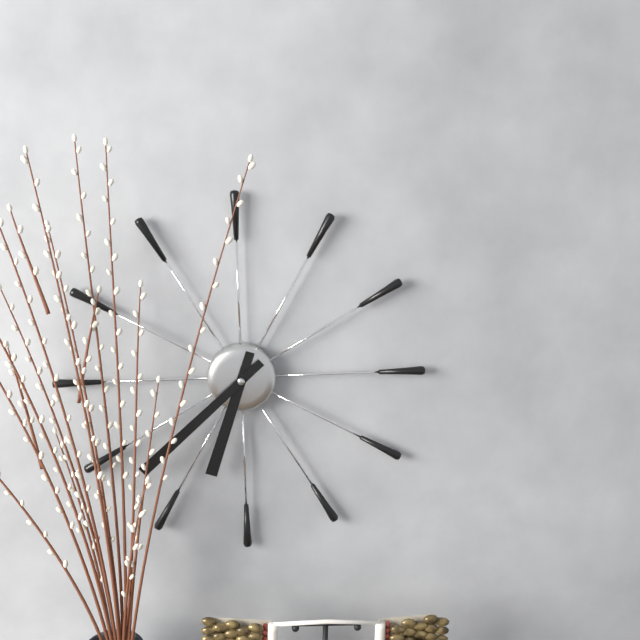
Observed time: **6:38**
